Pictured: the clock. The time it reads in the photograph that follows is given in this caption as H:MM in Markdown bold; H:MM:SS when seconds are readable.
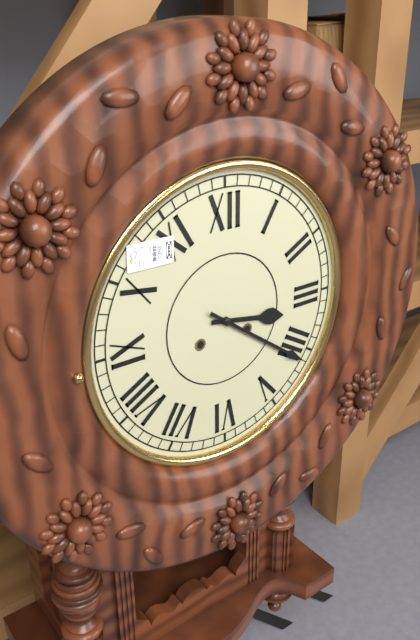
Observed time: **3:21**
